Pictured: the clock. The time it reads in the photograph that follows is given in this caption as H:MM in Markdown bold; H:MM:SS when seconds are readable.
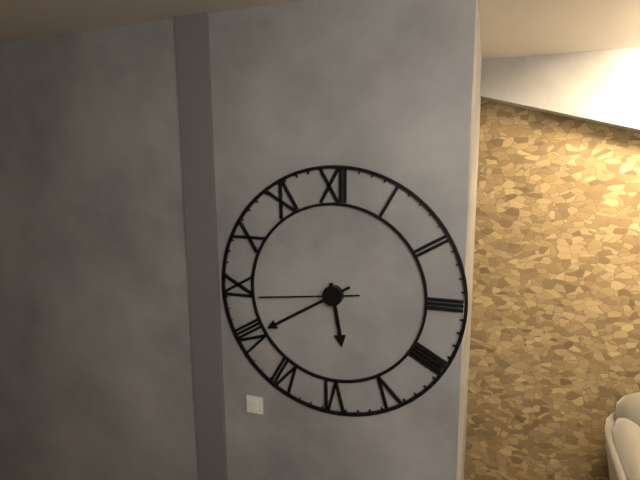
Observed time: **5:40:44**
